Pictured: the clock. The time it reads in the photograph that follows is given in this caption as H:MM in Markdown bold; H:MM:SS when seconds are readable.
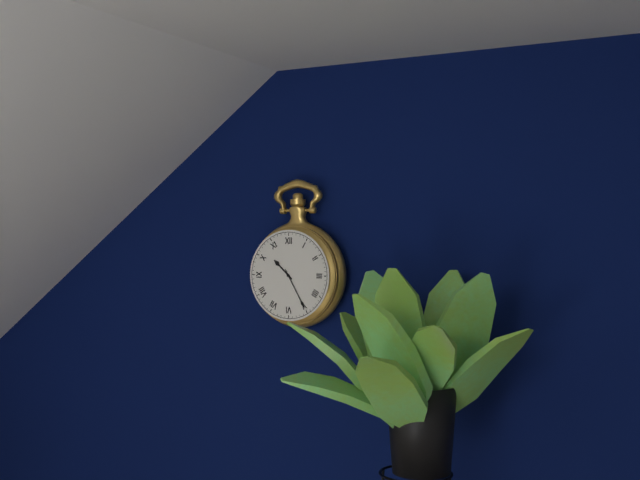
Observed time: **10:25**
